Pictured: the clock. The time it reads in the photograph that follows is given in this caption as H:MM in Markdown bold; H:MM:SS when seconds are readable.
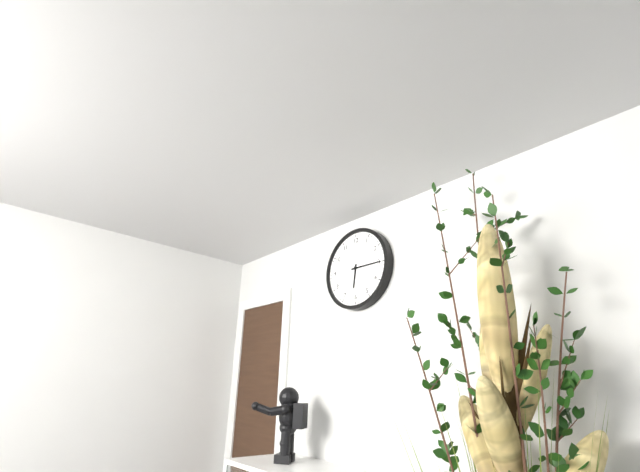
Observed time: **6:15**
